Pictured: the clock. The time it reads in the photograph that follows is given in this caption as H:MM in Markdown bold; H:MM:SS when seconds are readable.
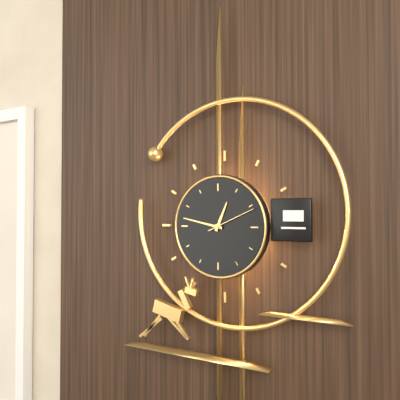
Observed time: **12:47:11**
